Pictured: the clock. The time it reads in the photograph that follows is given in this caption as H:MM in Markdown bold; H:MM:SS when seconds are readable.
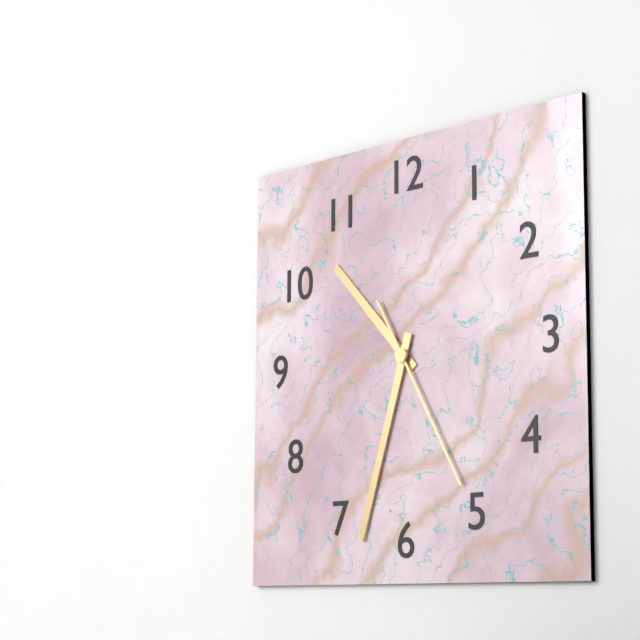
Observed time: **10:33:25**
